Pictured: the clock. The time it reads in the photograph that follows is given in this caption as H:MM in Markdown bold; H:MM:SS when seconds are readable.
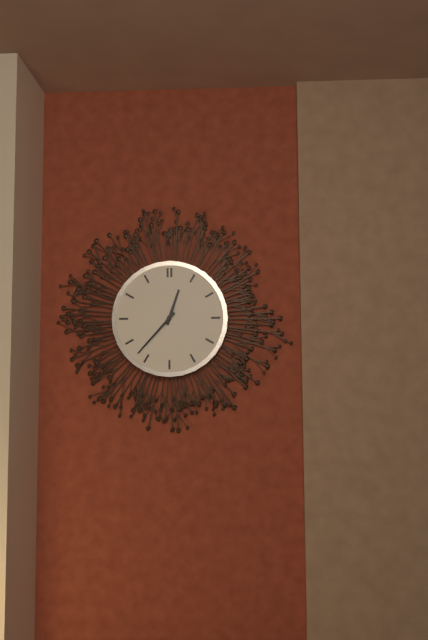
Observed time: **12:37**
